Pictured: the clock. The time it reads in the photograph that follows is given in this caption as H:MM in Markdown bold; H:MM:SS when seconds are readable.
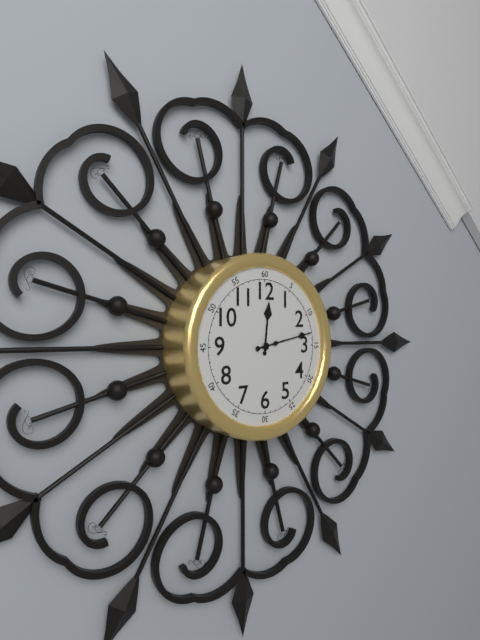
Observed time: **12:13**
